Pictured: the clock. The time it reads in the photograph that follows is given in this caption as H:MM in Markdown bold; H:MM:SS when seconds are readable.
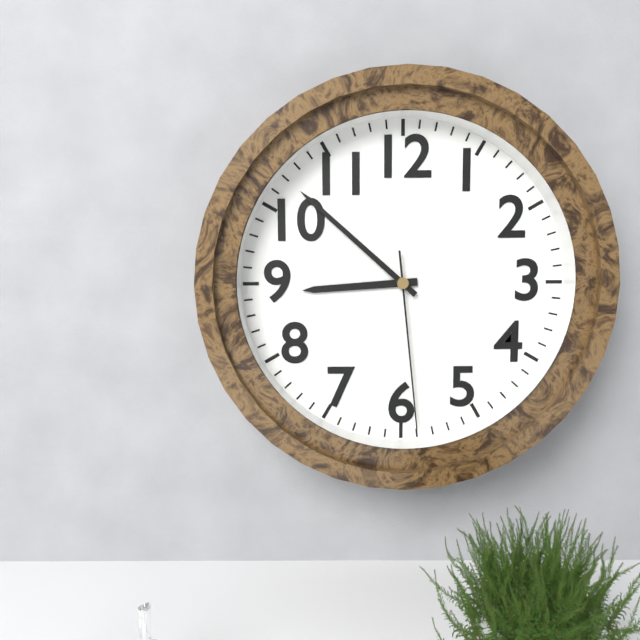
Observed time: **8:52:29**
